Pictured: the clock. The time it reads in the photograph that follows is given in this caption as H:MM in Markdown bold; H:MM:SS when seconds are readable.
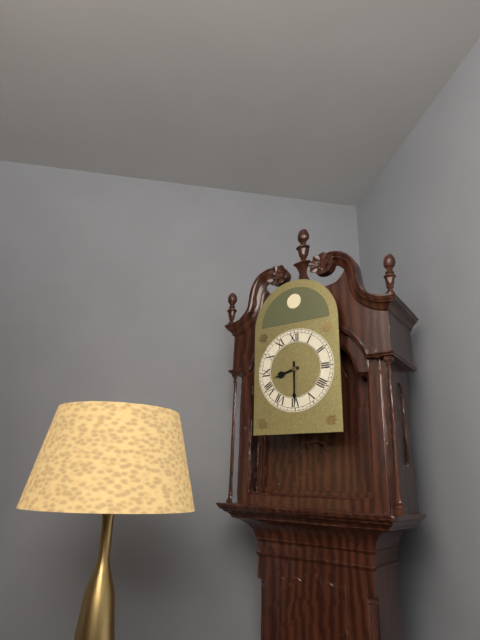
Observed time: **8:30**
